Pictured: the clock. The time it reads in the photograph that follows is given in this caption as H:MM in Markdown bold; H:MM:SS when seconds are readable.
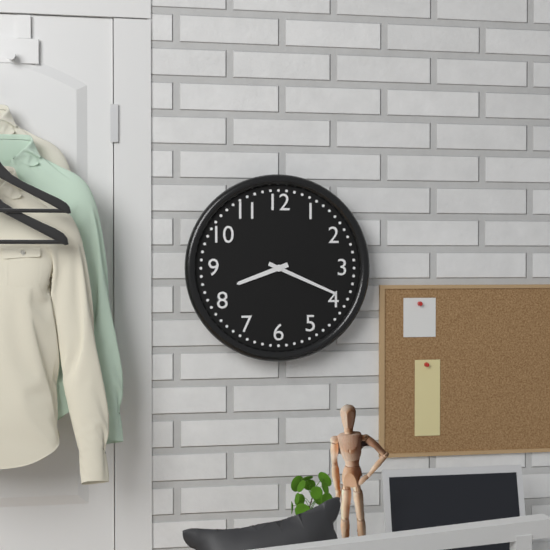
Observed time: **8:19**
